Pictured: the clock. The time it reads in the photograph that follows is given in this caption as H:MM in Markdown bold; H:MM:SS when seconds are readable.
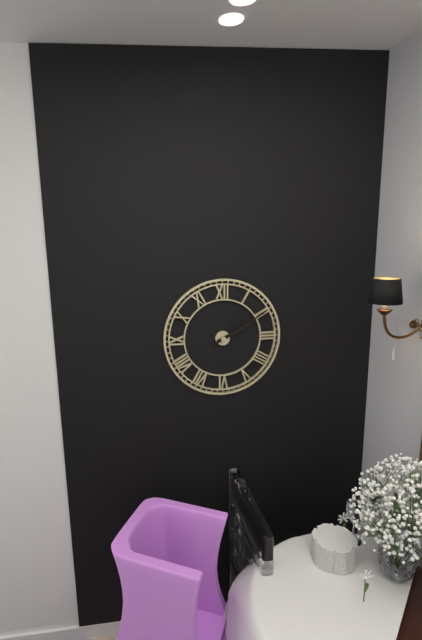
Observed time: **2:10**
